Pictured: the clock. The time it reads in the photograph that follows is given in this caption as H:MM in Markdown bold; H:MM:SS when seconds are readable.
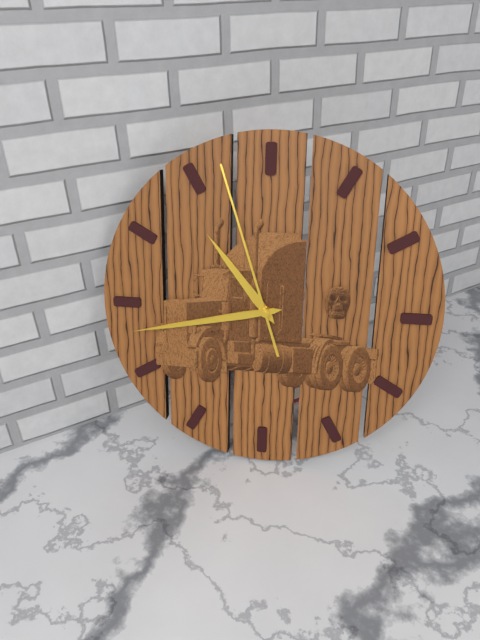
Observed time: **10:43:57**
